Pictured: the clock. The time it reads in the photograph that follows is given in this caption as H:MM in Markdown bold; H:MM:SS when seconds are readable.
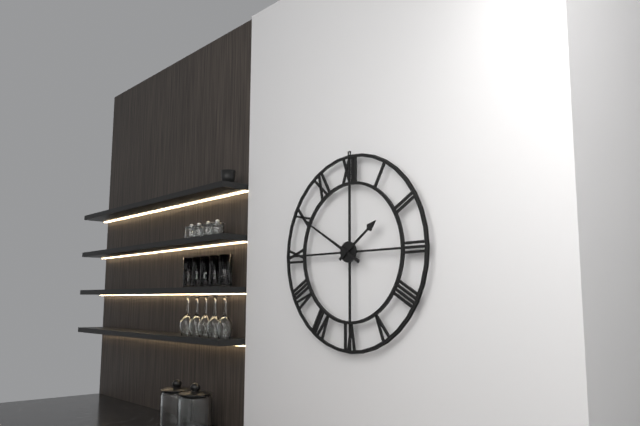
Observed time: **1:50**
